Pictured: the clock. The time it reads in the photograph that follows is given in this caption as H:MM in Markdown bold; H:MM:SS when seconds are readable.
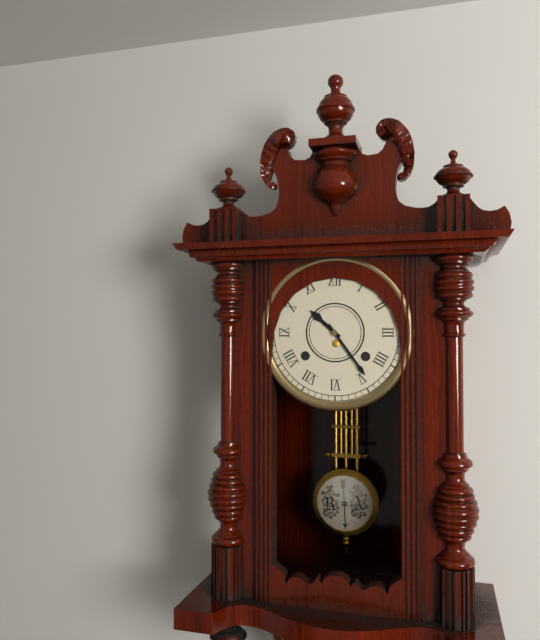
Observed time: **10:24**
